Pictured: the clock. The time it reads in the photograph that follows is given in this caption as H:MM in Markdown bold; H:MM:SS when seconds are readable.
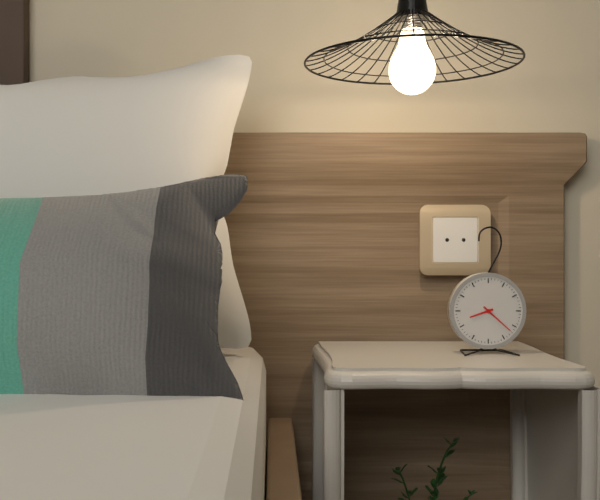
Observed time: **8:22**
